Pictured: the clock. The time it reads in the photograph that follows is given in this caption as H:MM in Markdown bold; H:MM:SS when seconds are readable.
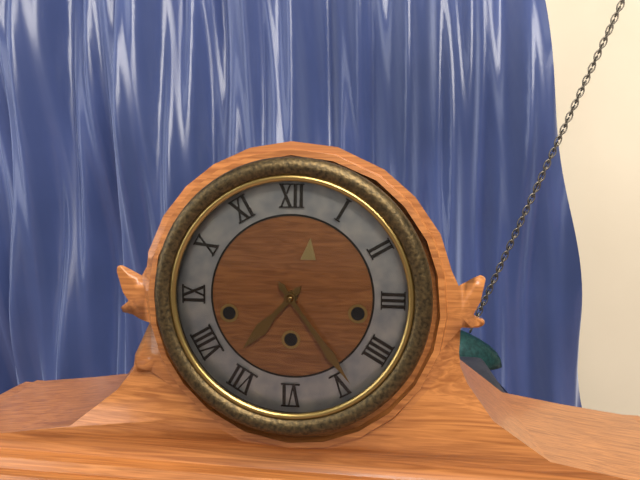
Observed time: **7:24**
